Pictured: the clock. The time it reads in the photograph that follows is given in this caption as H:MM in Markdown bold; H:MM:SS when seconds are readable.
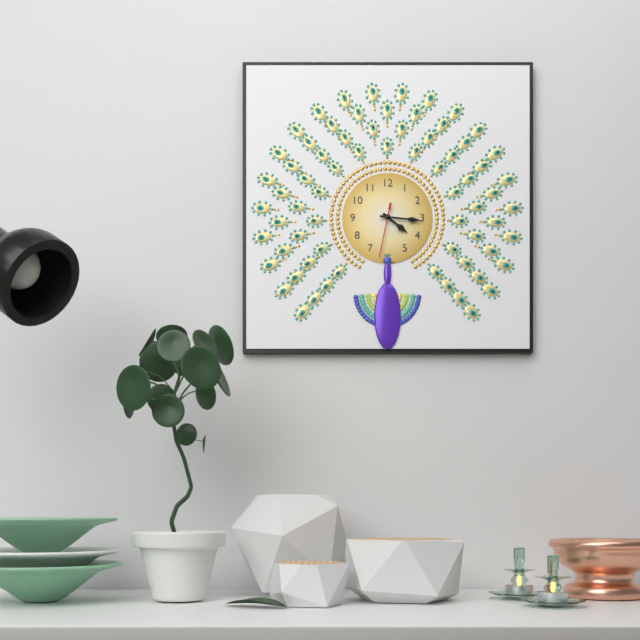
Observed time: **4:16:32**
